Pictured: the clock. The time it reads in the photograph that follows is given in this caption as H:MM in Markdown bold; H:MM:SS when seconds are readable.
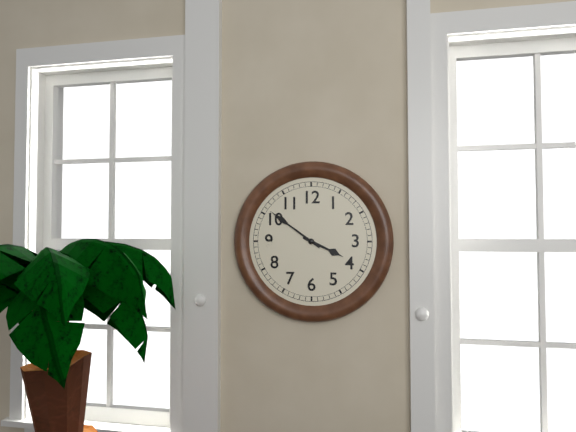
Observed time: **3:51**
